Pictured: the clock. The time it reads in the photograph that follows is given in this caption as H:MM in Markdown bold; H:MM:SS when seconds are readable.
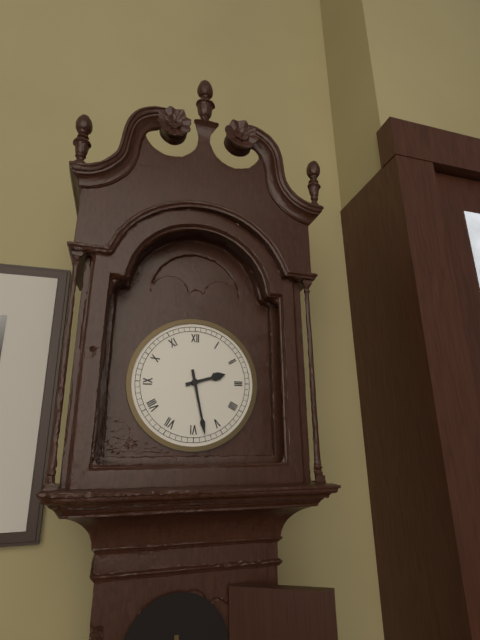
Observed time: **2:28**
